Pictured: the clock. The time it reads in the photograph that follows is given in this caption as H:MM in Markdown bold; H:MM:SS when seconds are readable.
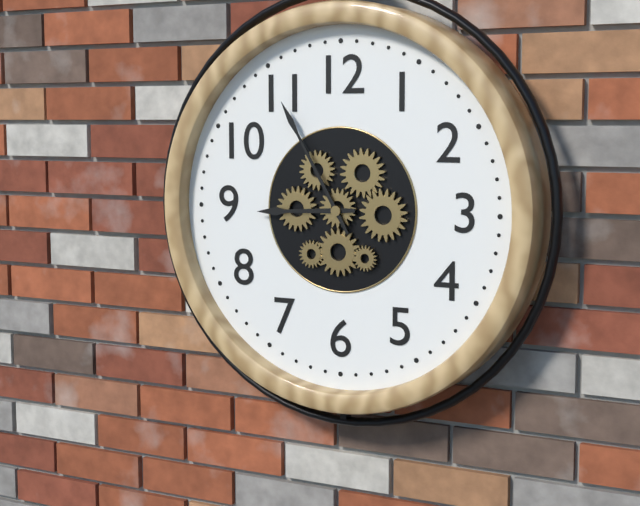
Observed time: **8:55**
